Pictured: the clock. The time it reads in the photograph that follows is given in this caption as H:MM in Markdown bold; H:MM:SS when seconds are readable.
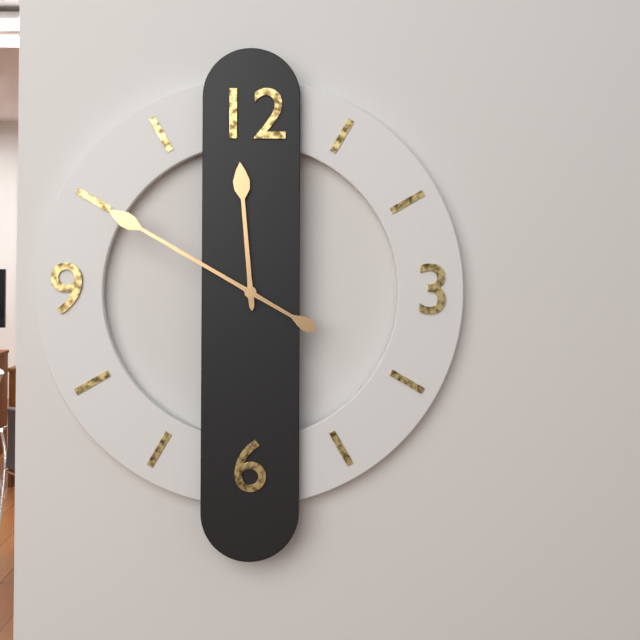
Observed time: **11:50**
